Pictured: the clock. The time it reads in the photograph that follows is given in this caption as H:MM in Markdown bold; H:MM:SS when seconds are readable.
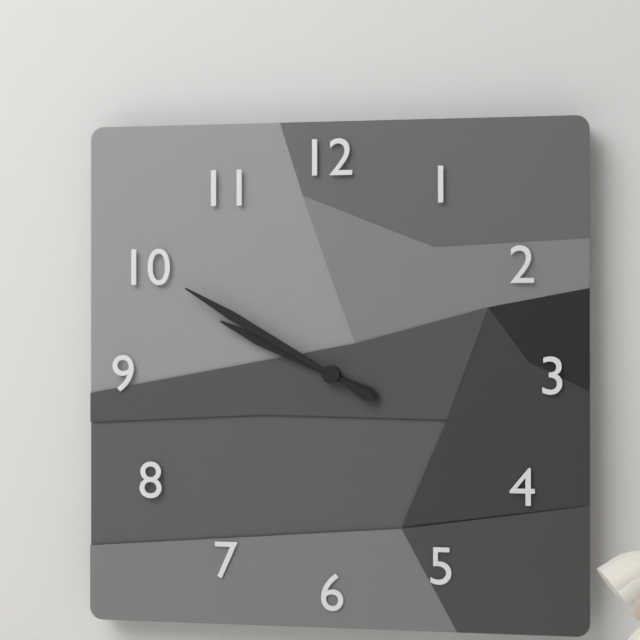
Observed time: **9:50**
